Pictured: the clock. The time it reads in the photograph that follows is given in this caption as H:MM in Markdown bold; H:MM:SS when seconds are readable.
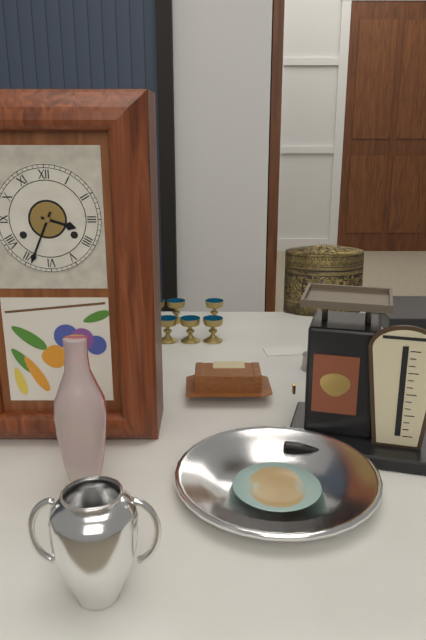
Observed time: **3:34**
